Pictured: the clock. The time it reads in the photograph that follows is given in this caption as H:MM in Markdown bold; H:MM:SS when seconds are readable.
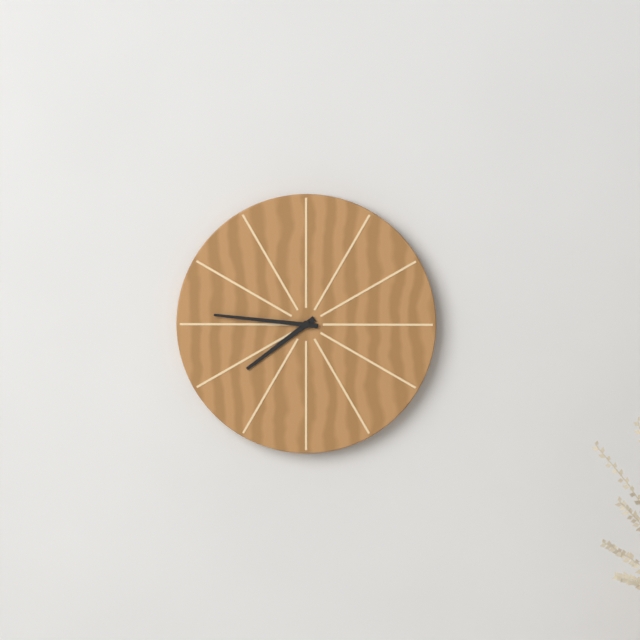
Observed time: **7:46**
